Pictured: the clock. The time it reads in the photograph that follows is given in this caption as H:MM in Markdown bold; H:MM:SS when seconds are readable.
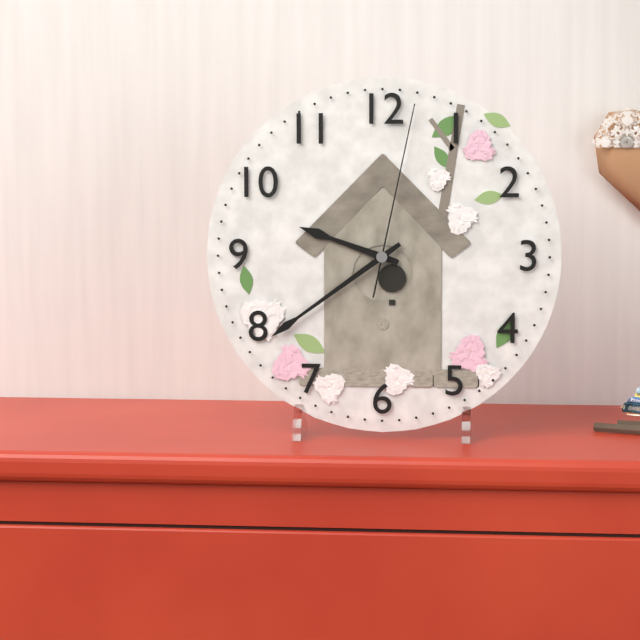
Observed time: **9:39:02**
